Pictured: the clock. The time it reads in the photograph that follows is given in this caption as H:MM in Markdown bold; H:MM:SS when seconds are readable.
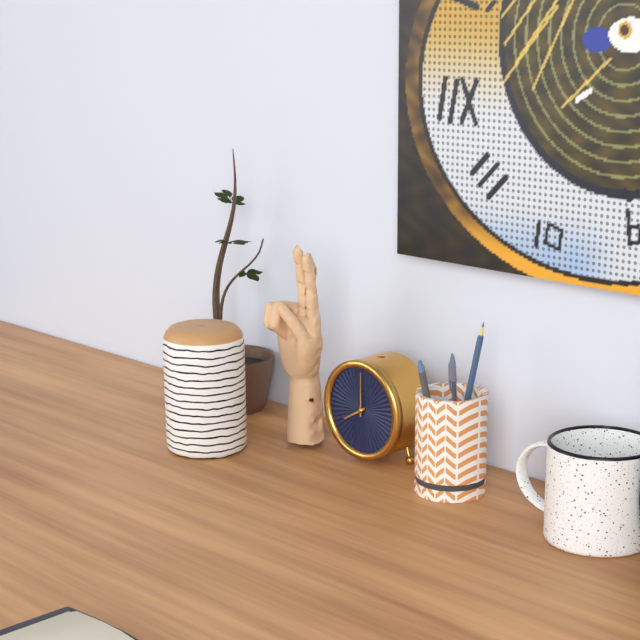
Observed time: **8:00**
